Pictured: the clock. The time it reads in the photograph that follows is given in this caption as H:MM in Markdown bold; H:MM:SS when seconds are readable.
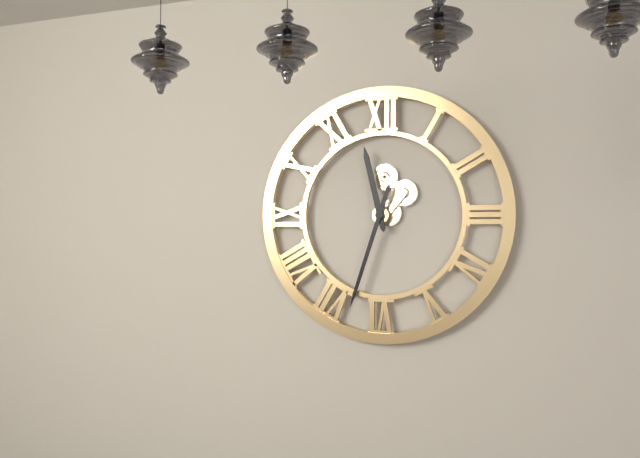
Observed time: **11:33**
